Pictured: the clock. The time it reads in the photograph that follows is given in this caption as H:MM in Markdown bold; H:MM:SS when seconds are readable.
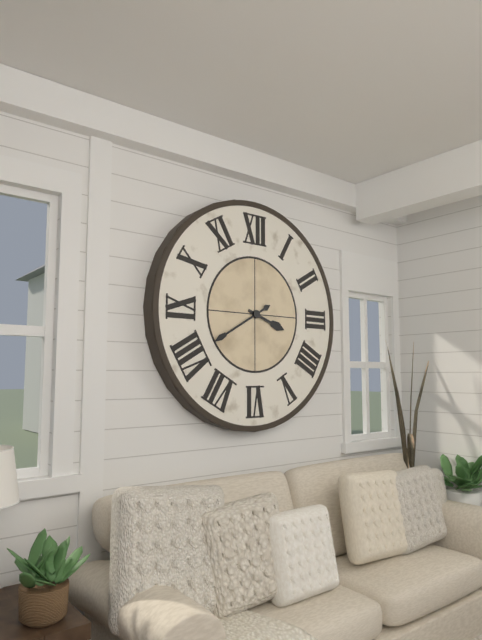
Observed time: **3:40**
